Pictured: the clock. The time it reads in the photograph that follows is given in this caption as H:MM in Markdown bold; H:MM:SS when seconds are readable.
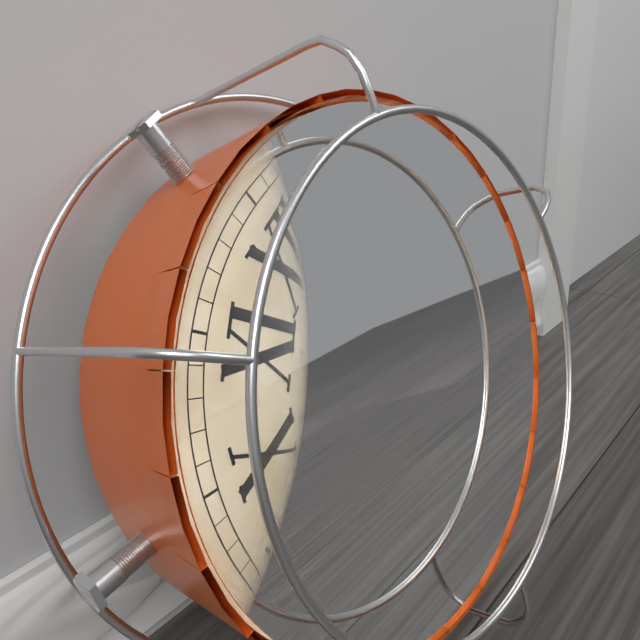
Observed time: **2:34**
